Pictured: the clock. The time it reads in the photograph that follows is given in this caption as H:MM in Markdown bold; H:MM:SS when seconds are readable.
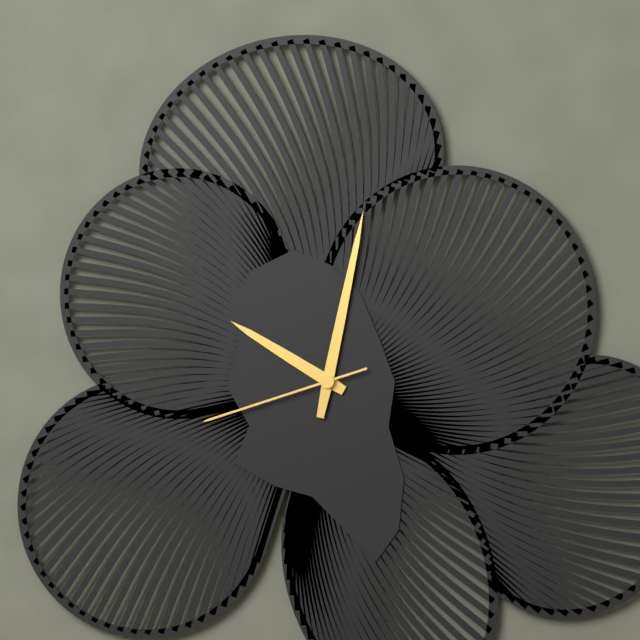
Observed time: **10:02:42**
